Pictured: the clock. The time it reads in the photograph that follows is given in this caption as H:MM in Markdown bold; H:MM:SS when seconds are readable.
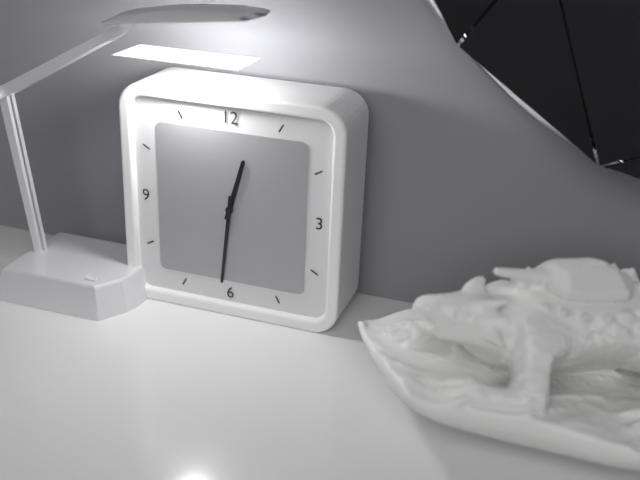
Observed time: **12:31**
